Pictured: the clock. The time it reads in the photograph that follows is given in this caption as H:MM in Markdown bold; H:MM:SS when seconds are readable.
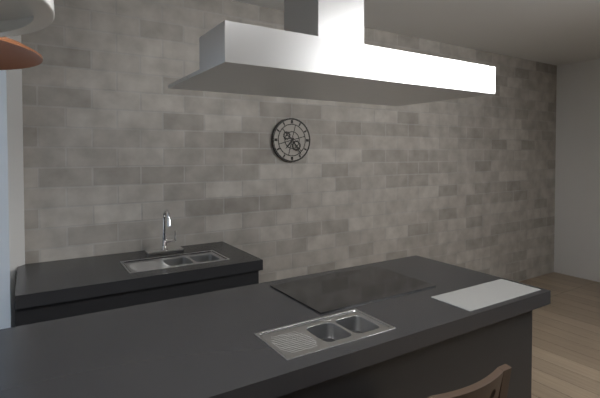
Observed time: **7:24**
